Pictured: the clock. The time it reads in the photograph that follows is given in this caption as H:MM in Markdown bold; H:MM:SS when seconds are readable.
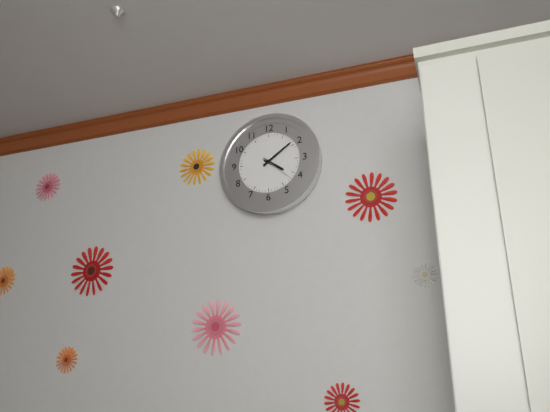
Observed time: **4:09**
